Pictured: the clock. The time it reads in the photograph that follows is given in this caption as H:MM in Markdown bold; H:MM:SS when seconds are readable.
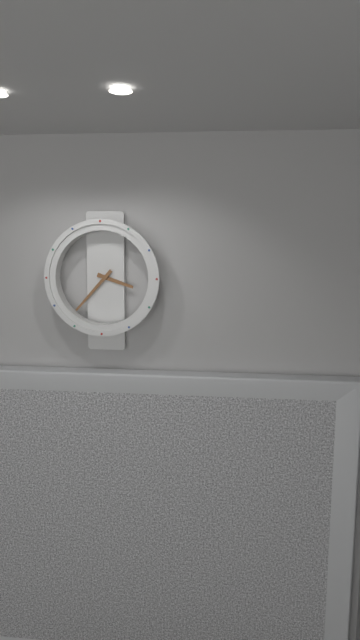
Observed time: **3:37**
